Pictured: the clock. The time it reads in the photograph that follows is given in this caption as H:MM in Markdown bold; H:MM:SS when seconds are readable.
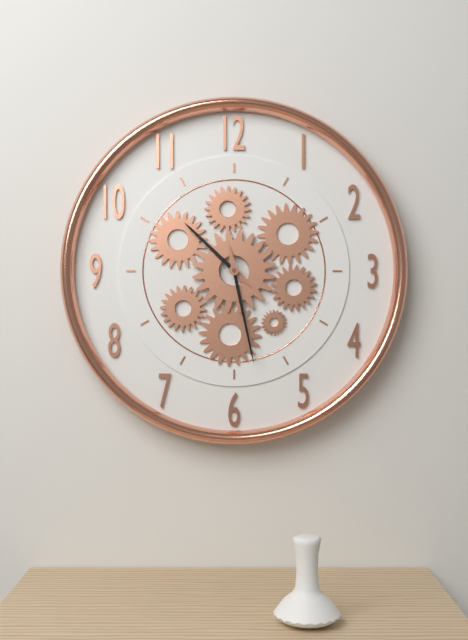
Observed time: **10:28**
